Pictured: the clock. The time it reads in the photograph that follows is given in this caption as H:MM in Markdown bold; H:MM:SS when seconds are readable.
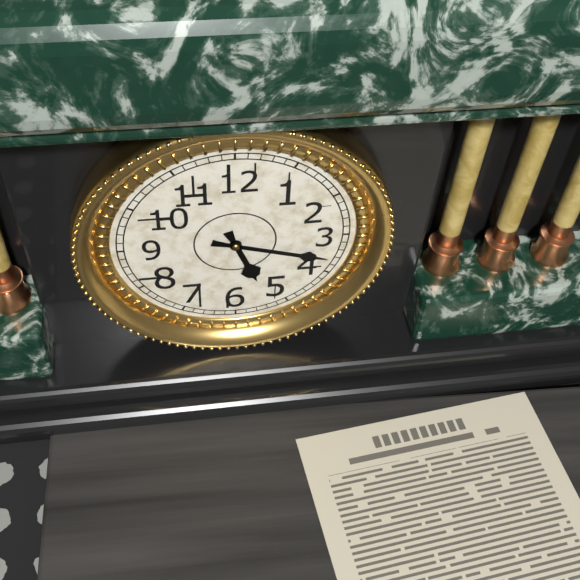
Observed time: **5:18**
